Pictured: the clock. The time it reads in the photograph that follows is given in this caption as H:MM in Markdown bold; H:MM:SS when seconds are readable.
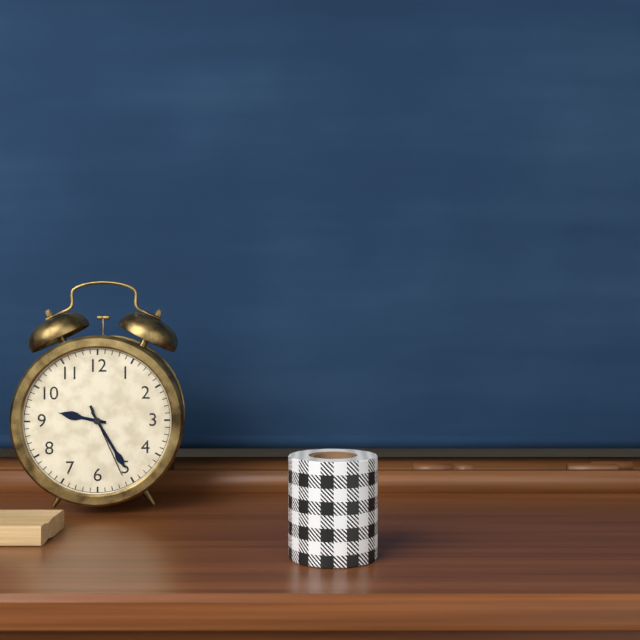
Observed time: **9:25:26**
